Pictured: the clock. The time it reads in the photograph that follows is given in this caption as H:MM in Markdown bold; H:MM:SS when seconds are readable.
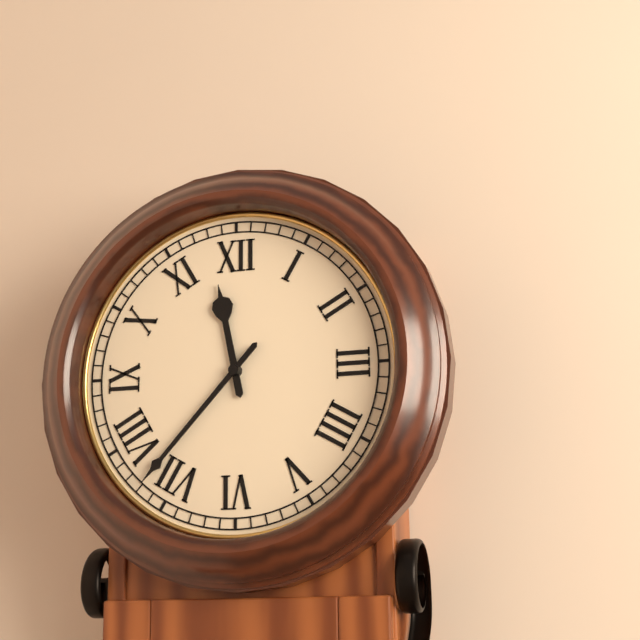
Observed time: **11:37**
